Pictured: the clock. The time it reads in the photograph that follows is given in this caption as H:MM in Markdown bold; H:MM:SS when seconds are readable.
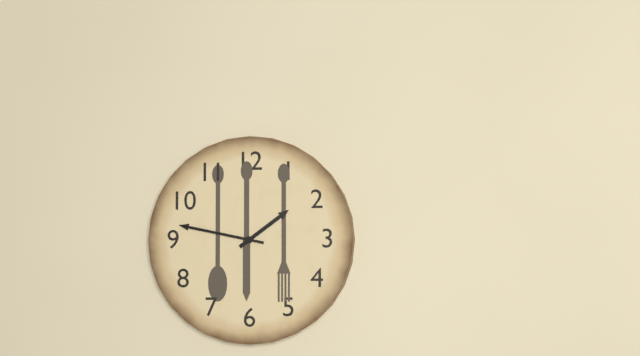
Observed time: **1:47**
